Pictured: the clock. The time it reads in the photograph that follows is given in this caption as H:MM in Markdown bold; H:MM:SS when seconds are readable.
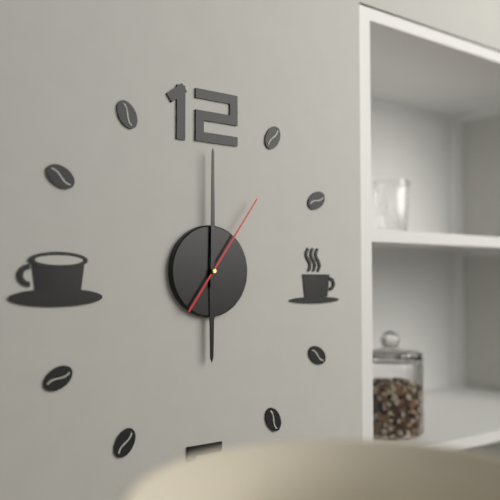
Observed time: **6:00:06**
